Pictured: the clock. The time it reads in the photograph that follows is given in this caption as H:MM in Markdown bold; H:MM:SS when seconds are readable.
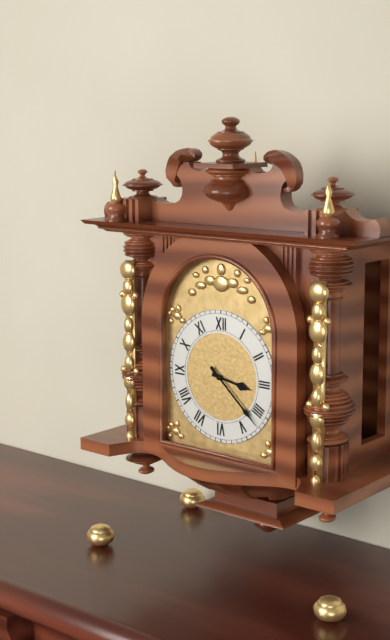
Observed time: **3:22**
